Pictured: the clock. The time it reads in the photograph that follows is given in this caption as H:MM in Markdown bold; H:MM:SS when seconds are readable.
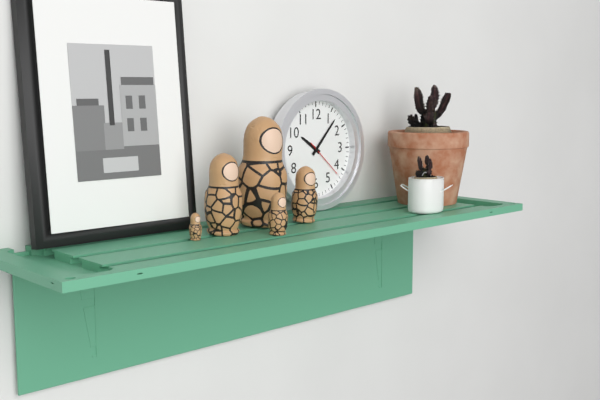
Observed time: **10:07**
